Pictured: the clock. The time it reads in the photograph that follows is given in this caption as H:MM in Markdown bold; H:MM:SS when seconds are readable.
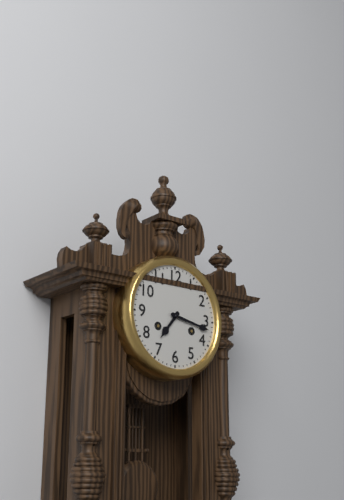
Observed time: **7:17**
